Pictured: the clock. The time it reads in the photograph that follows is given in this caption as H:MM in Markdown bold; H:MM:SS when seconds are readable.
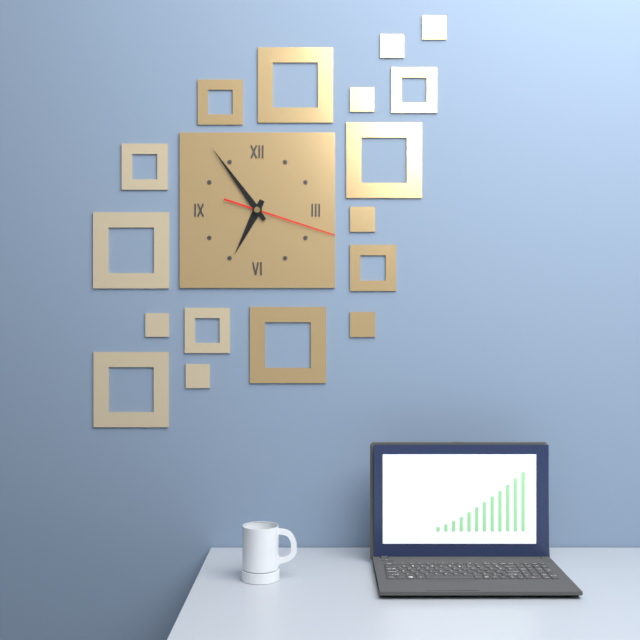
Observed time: **6:54:18**
